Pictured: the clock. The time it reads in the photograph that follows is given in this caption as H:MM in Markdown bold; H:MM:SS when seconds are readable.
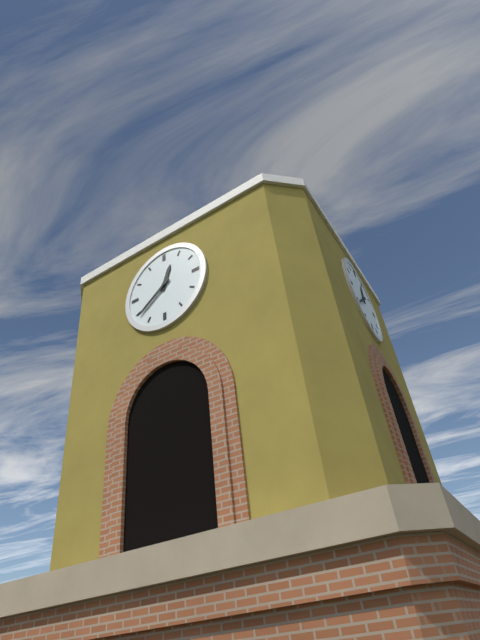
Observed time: **12:39**
